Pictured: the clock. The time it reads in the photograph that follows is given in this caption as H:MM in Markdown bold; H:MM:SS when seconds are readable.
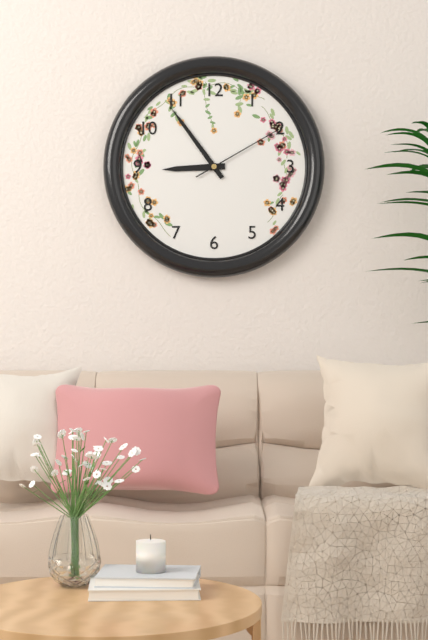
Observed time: **8:54:10**
